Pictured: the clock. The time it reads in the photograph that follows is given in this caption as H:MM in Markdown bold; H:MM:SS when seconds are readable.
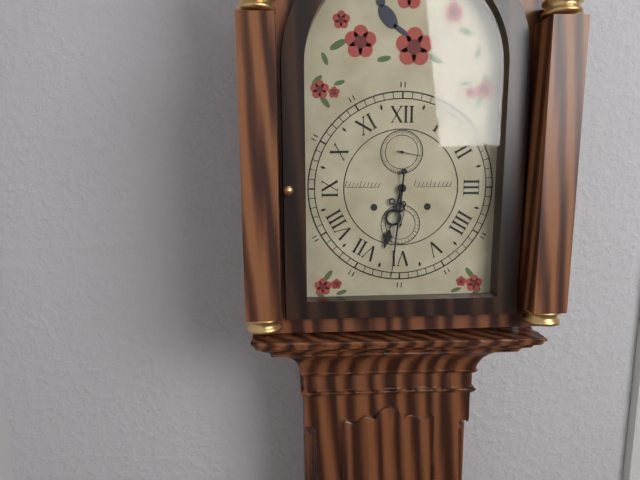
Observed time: **6:31**
